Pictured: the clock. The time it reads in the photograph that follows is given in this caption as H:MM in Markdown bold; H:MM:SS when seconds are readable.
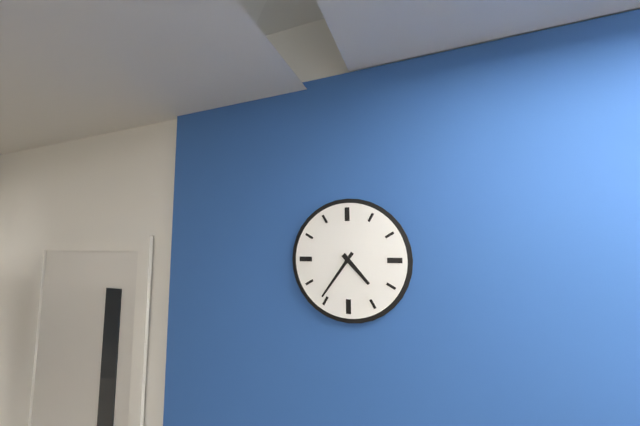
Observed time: **4:36**
